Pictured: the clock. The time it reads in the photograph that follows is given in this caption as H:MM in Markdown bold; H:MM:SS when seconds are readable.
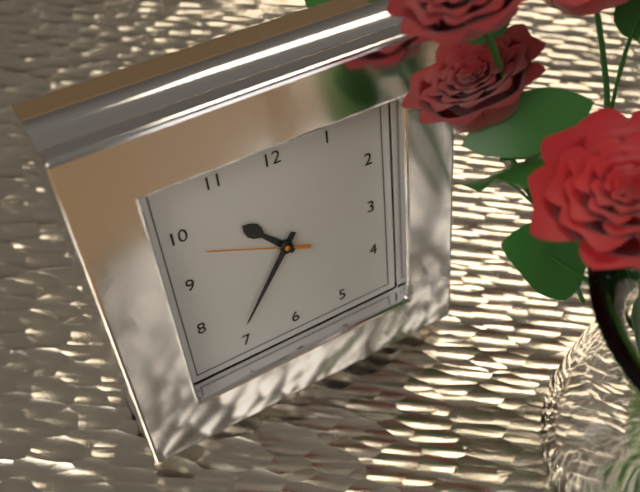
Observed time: **10:36:49**
